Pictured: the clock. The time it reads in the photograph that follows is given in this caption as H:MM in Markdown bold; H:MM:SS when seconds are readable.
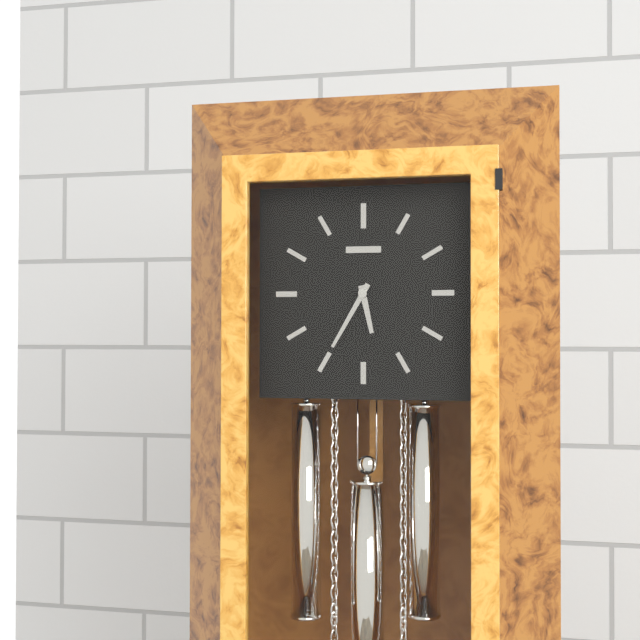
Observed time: **5:35**
